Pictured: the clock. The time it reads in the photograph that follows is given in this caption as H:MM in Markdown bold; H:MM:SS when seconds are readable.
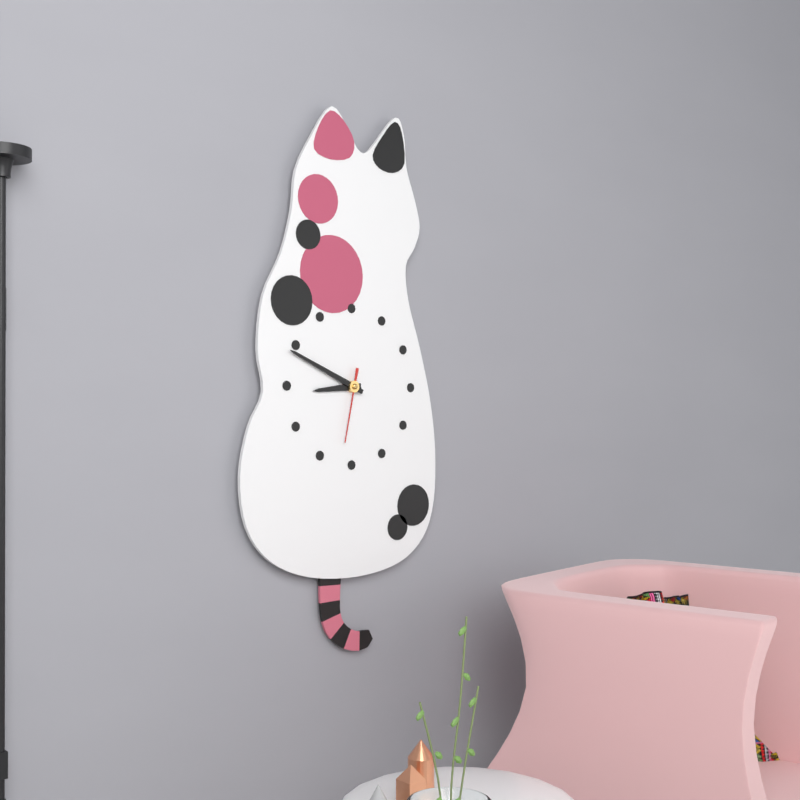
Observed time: **8:49:32**
